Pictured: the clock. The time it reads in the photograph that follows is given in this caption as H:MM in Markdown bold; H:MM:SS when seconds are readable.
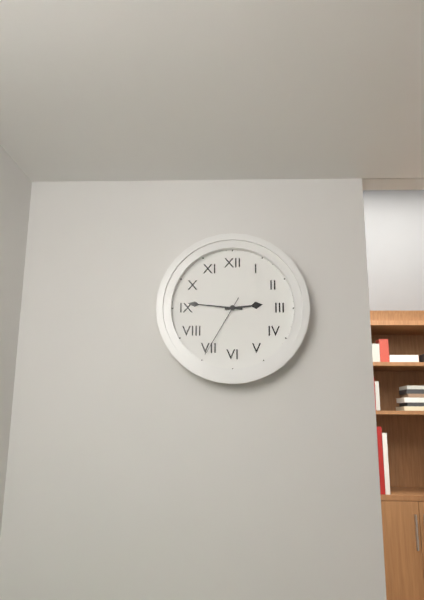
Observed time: **2:46:35**
